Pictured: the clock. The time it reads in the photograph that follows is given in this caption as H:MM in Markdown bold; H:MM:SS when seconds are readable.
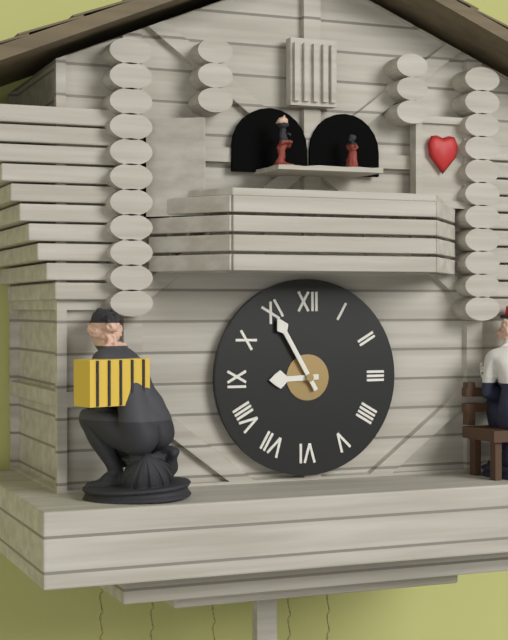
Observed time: **8:55**
